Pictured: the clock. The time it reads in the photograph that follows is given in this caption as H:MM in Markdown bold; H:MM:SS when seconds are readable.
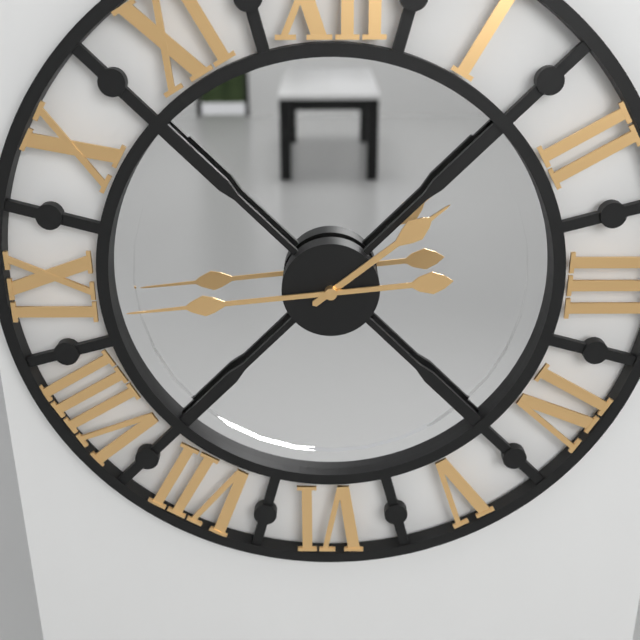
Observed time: **1:44**
